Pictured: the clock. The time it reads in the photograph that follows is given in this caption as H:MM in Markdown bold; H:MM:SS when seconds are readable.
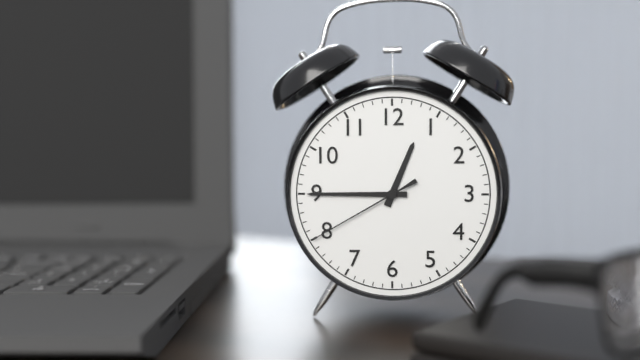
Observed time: **12:45:40**
